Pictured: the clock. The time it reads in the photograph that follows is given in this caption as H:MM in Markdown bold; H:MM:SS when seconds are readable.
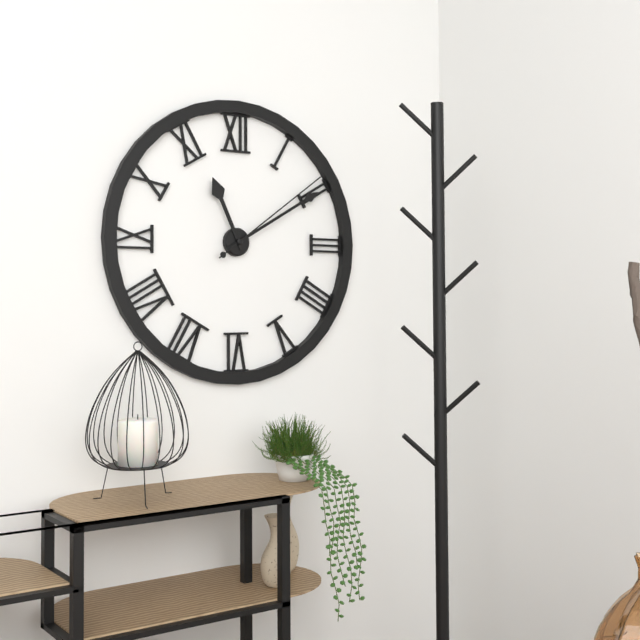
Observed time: **11:10:09**
